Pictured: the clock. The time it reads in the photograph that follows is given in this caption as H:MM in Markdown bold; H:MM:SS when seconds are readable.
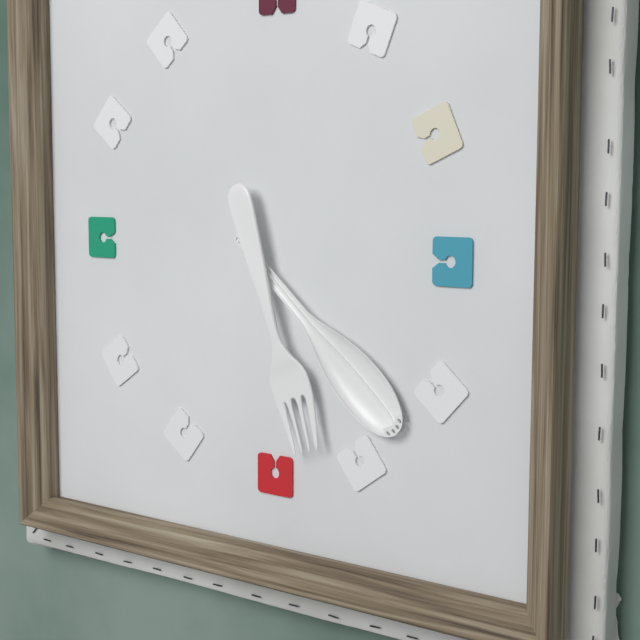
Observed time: **5:22**
